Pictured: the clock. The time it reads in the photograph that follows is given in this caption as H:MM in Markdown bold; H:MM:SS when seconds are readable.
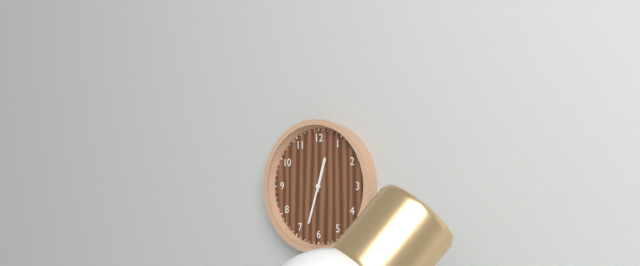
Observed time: **12:33**
